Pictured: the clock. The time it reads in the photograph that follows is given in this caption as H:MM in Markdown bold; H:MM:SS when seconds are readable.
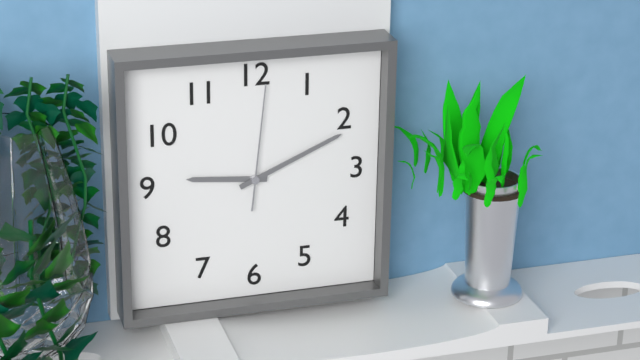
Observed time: **9:11:01**
